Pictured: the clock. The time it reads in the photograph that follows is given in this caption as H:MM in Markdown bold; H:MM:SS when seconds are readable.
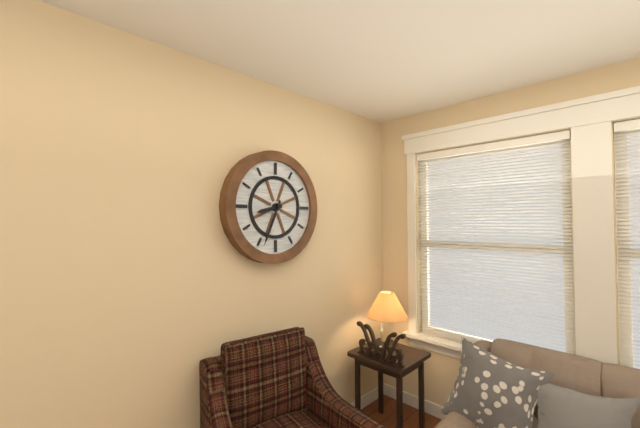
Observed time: **8:34**
